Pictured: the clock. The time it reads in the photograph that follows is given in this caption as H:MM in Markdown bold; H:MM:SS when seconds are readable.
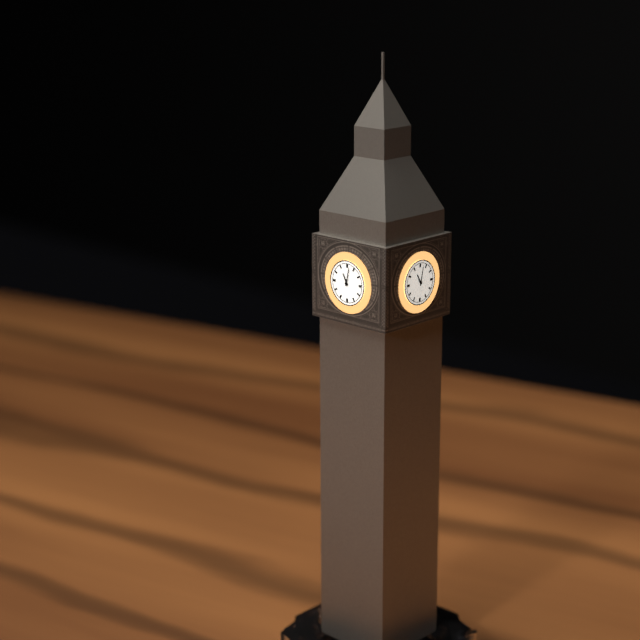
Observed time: **11:02**
